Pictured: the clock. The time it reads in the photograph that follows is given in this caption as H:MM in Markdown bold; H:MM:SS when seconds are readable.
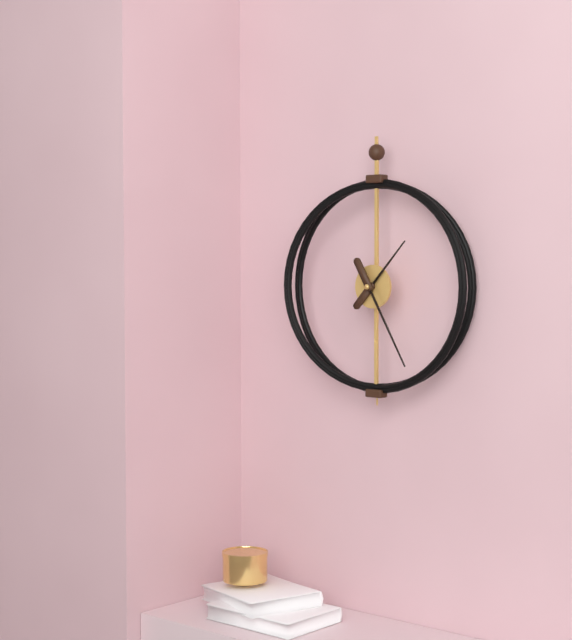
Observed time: **1:25**
